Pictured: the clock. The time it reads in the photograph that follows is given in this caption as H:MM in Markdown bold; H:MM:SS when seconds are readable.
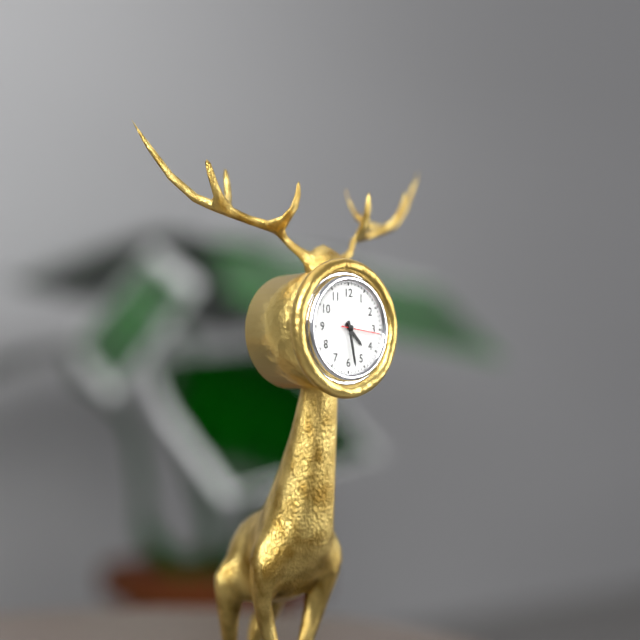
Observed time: **4:28**
